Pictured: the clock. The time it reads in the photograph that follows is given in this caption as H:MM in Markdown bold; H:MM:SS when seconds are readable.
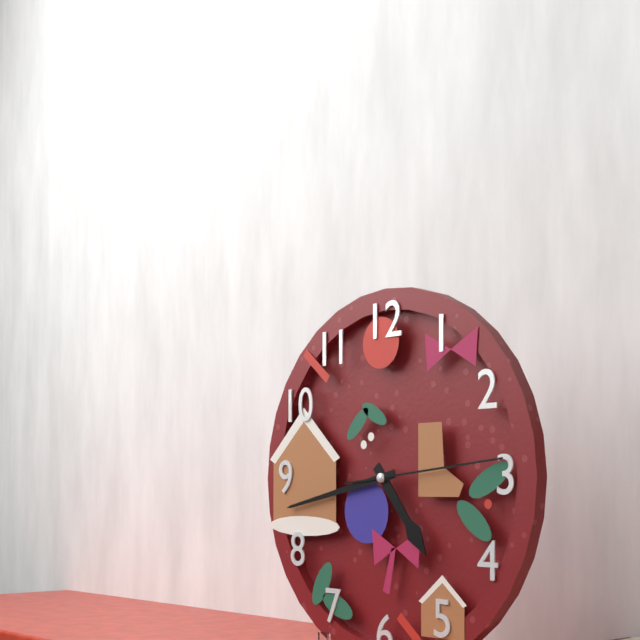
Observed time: **4:43:14**
